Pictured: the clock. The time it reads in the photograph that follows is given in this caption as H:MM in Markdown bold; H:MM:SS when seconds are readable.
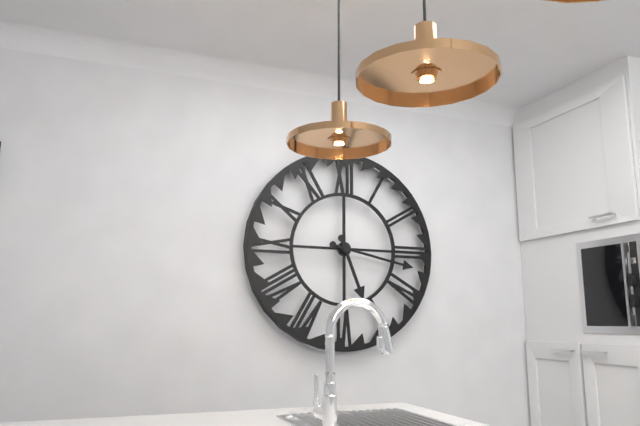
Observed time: **5:17**
